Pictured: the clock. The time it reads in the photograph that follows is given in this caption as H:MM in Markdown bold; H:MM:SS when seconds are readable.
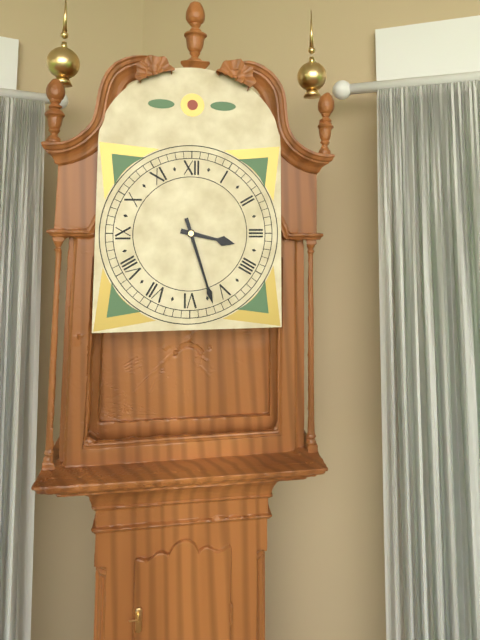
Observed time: **3:27**
